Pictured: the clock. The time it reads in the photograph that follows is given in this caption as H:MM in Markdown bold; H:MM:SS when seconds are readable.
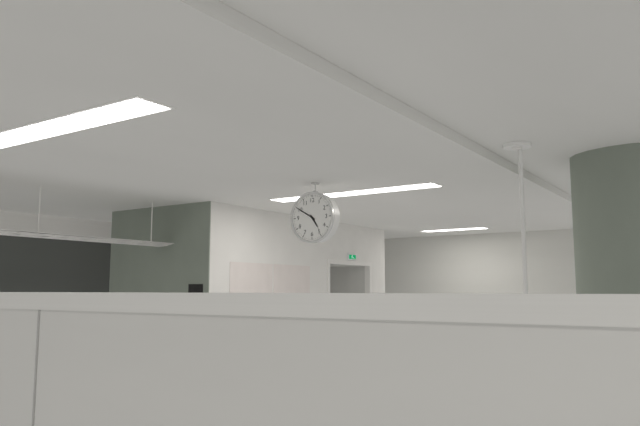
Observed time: **4:50**
